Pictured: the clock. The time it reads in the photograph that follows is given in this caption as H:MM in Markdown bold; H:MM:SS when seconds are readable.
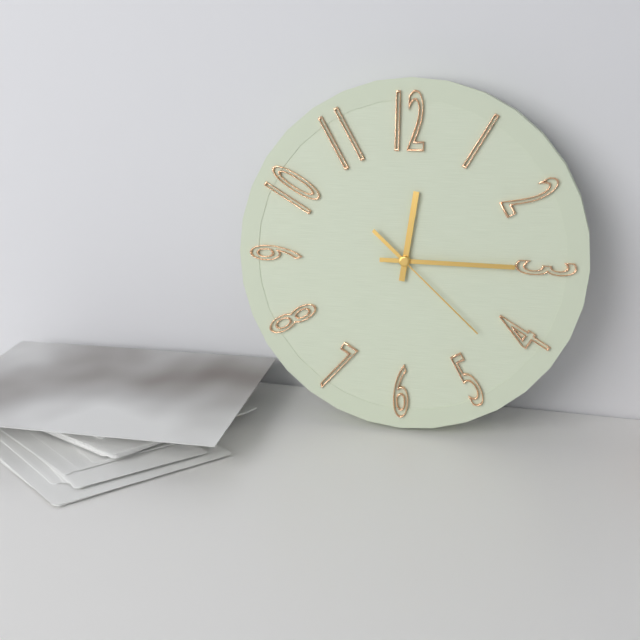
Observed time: **12:15:22**
